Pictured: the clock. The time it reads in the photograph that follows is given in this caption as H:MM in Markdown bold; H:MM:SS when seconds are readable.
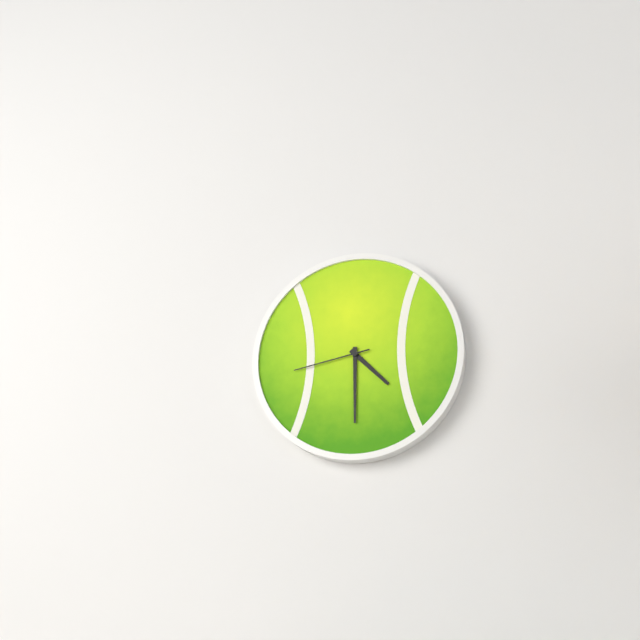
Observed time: **4:30:43**
